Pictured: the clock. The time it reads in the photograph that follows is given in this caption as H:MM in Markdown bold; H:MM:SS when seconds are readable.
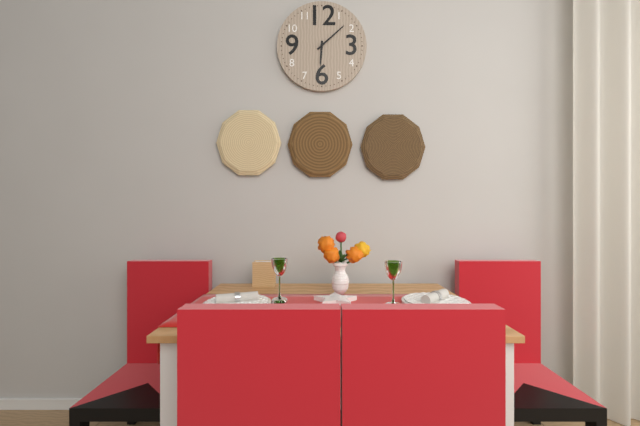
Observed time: **6:08**
